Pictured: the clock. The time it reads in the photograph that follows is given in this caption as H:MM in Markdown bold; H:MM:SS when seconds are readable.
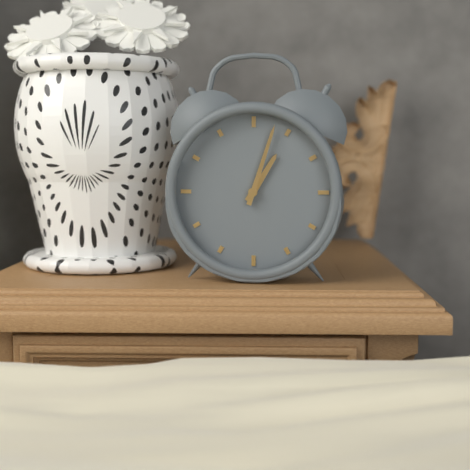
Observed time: **1:03**
